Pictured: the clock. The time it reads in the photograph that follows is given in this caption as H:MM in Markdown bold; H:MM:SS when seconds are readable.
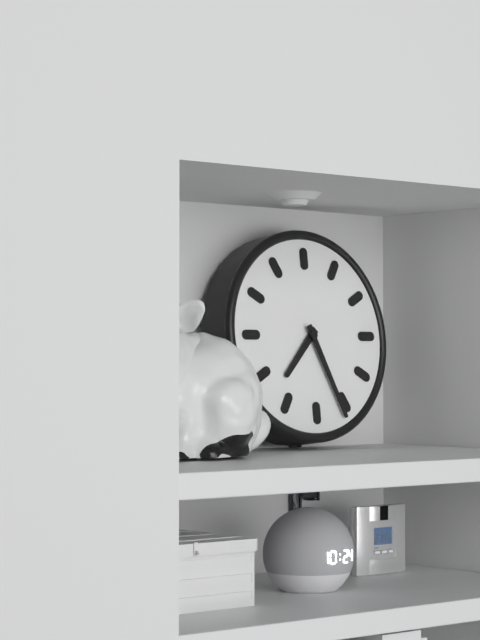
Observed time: **7:26**
